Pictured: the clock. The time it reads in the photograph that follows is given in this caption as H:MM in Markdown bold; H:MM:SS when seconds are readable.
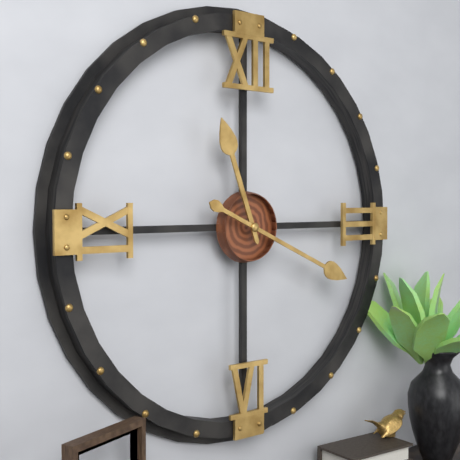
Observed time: **11:19**
